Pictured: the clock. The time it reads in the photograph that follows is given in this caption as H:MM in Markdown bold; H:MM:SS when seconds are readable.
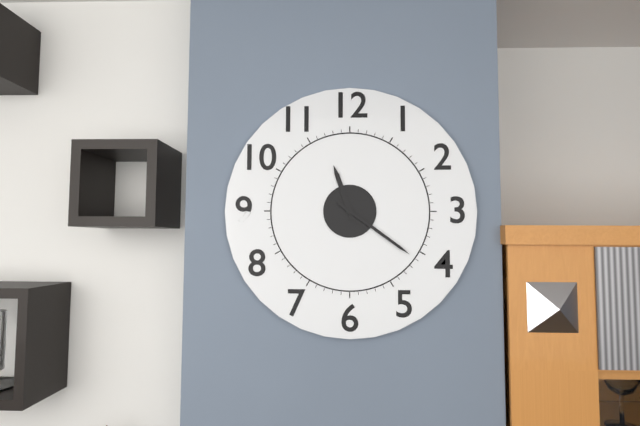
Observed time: **11:21**
